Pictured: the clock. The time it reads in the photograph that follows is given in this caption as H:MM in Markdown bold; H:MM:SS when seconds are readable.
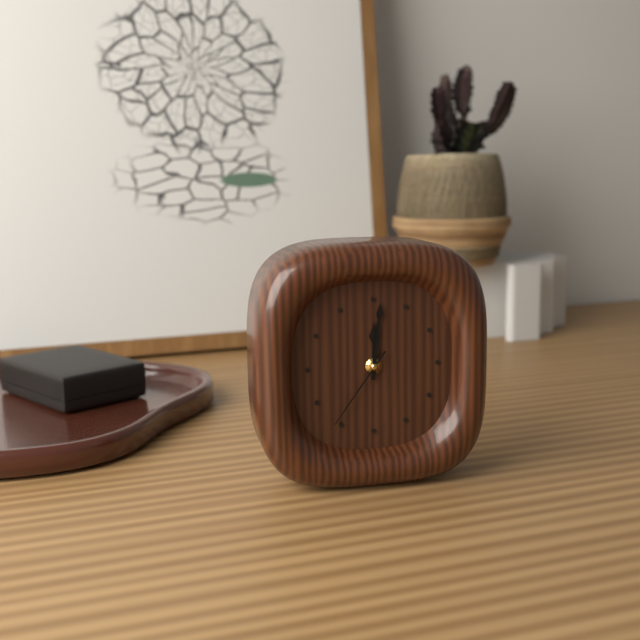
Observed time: **12:01:36**
